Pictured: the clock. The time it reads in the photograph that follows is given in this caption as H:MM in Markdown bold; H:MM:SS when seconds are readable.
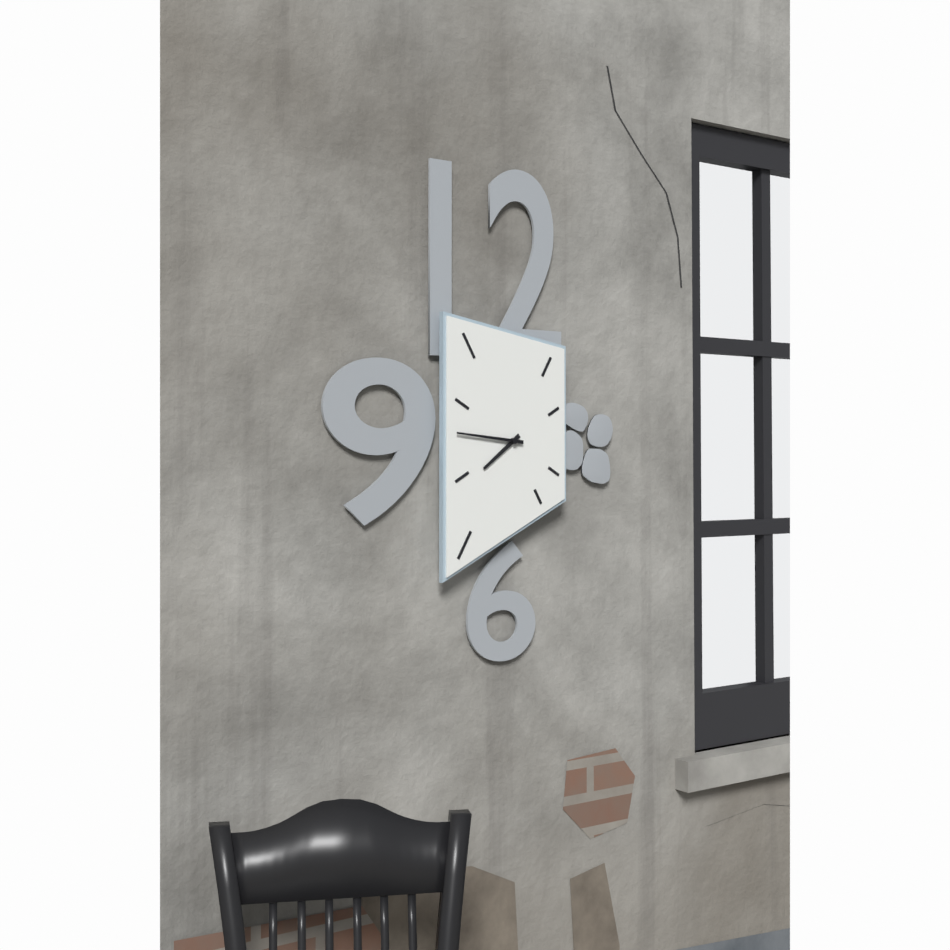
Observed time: **7:46**
